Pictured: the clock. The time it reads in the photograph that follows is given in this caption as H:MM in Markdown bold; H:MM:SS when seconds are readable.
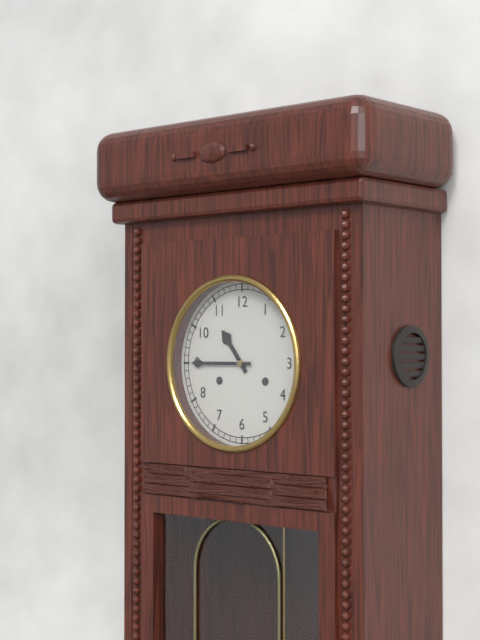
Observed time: **10:45**
